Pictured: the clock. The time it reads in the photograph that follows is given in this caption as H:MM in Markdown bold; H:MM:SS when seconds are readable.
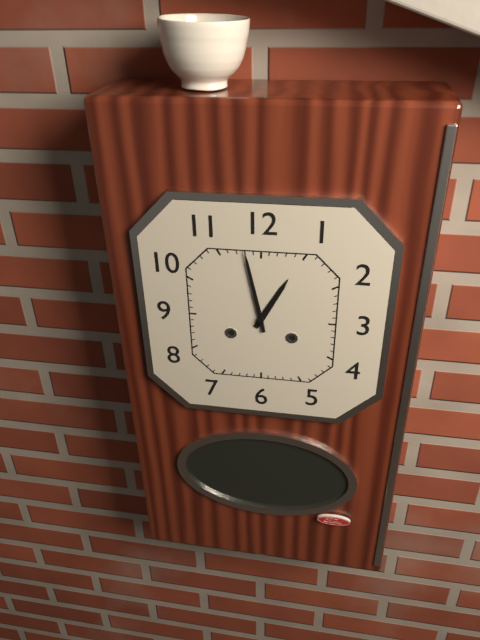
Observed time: **12:58**
